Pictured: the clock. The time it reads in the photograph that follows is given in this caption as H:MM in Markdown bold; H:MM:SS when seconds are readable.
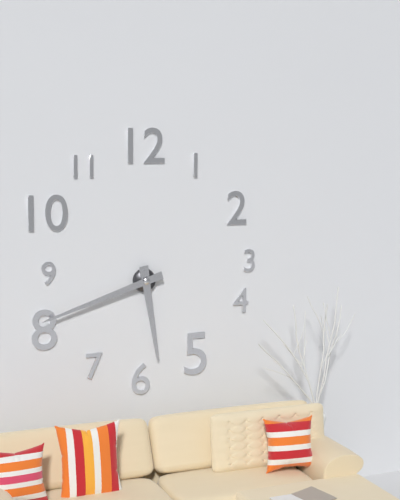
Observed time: **5:42**
